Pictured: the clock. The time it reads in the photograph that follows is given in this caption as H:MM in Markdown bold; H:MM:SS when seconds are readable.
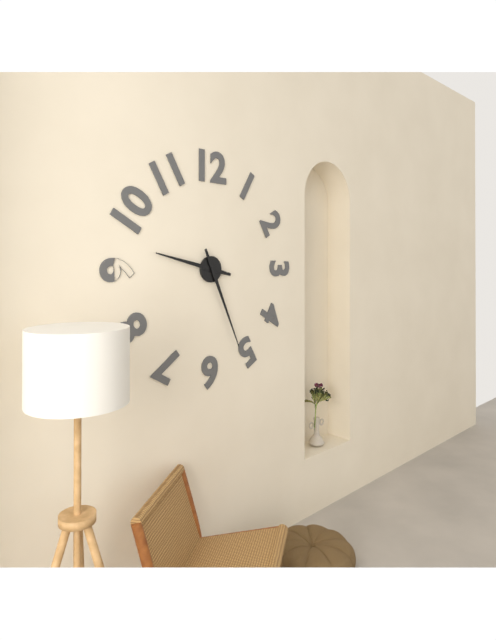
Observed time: **9:26**
